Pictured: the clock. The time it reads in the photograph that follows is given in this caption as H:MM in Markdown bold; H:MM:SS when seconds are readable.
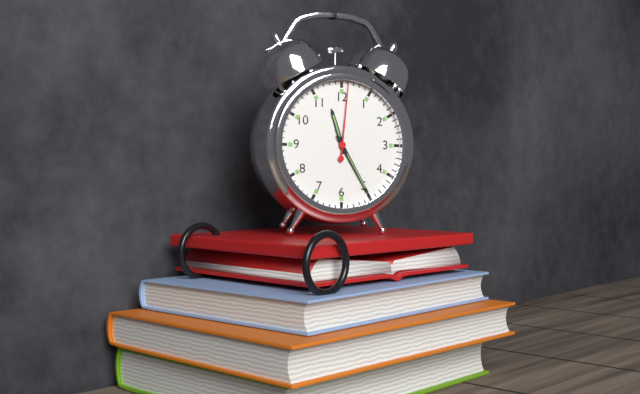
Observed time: **11:25:01**
